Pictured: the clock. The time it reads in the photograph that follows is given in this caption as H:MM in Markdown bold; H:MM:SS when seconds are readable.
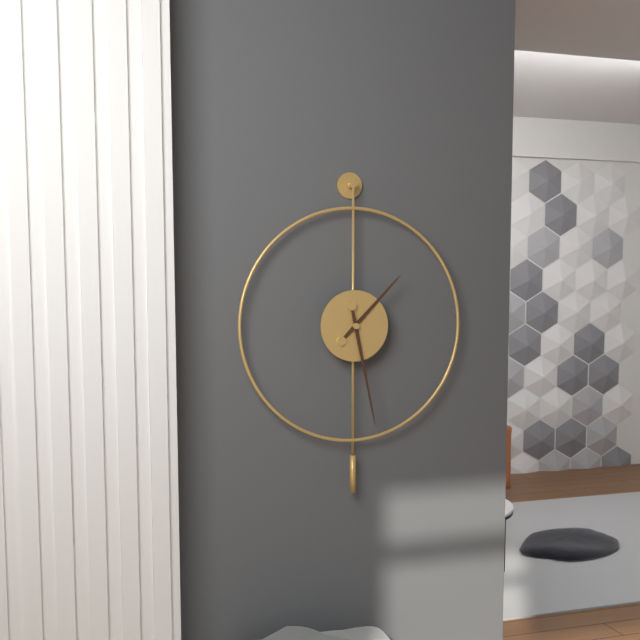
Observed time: **1:28**
